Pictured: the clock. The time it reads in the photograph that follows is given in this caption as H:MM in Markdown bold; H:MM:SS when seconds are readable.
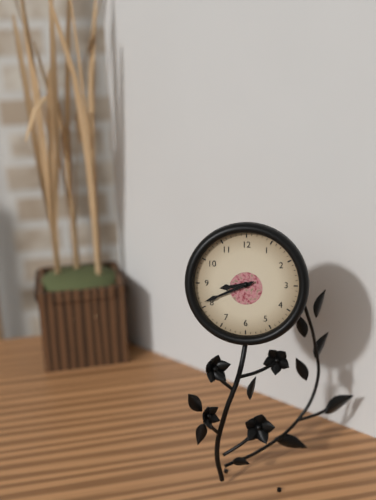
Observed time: **8:41**
